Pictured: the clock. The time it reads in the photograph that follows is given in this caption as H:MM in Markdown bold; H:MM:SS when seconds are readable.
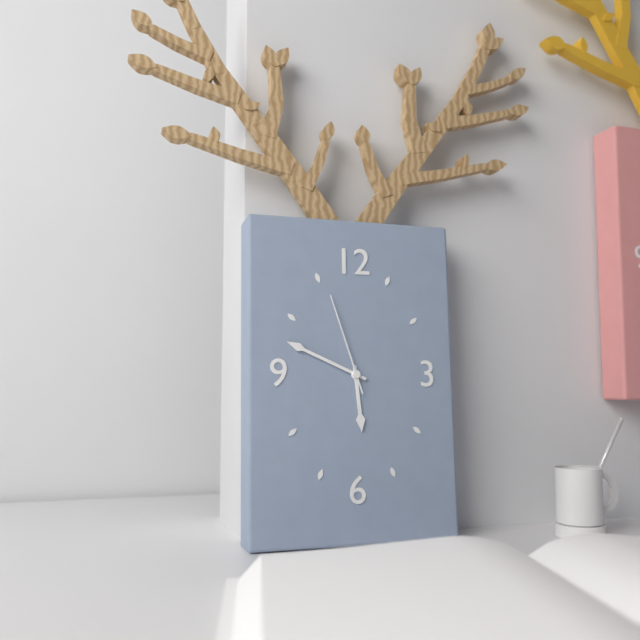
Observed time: **5:49:57**
